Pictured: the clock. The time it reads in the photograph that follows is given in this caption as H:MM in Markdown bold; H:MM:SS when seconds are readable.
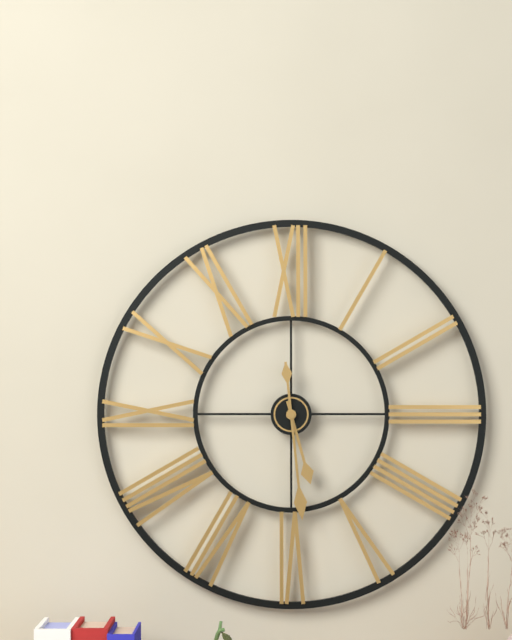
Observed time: **5:29**
